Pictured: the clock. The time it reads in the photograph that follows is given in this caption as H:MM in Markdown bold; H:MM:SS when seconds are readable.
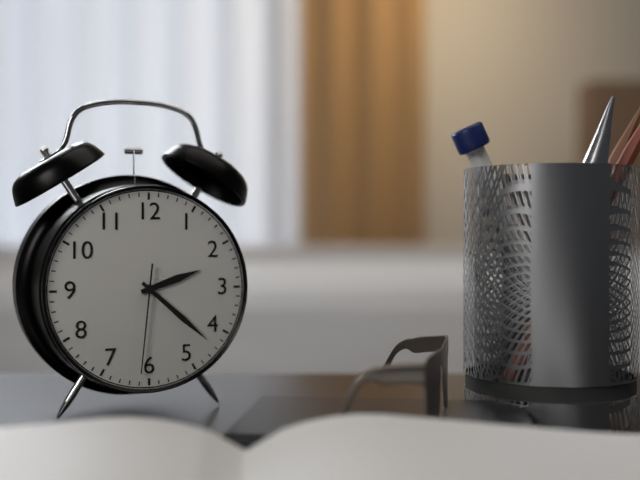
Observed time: **2:22:31**
